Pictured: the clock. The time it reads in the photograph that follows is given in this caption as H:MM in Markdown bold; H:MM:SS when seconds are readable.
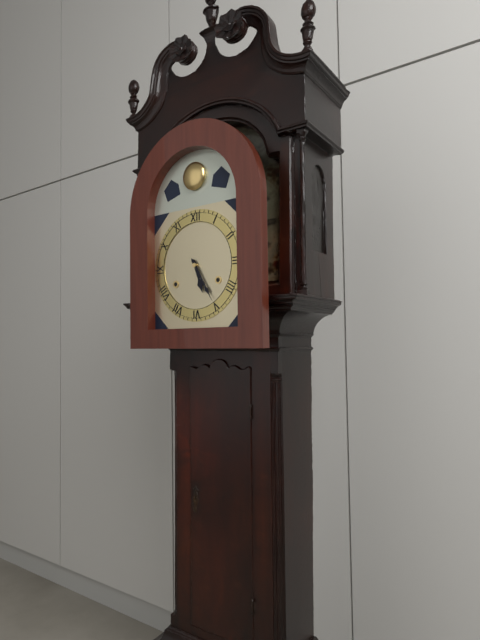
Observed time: **5:25**
